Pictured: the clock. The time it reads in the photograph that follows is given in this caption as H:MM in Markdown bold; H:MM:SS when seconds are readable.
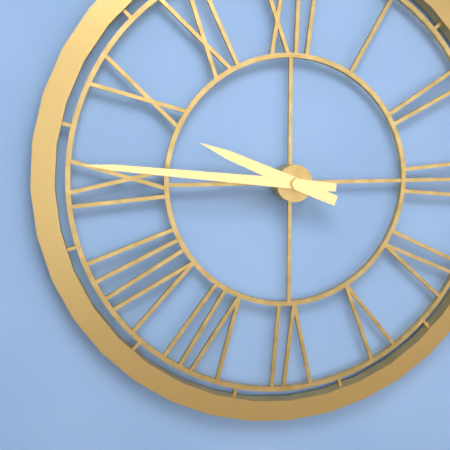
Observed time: **9:46**
